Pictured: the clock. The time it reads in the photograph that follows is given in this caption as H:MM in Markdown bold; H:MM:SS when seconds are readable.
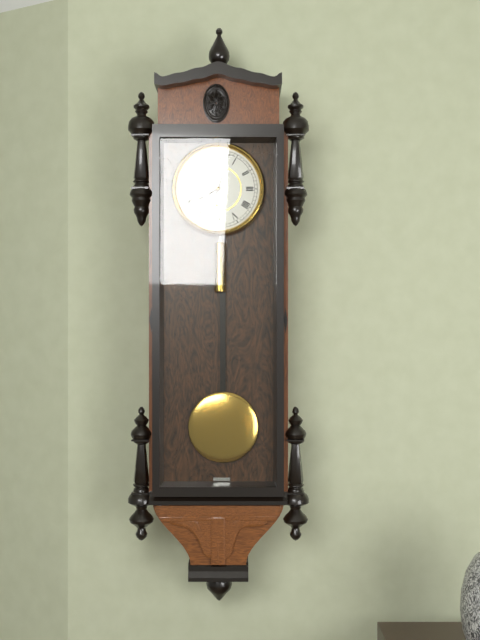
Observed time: **8:03**
